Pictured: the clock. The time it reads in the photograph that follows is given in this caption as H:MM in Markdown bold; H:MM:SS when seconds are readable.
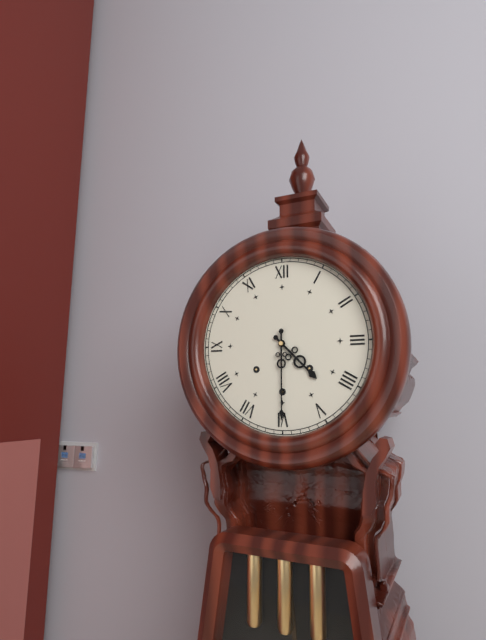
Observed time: **4:30**
